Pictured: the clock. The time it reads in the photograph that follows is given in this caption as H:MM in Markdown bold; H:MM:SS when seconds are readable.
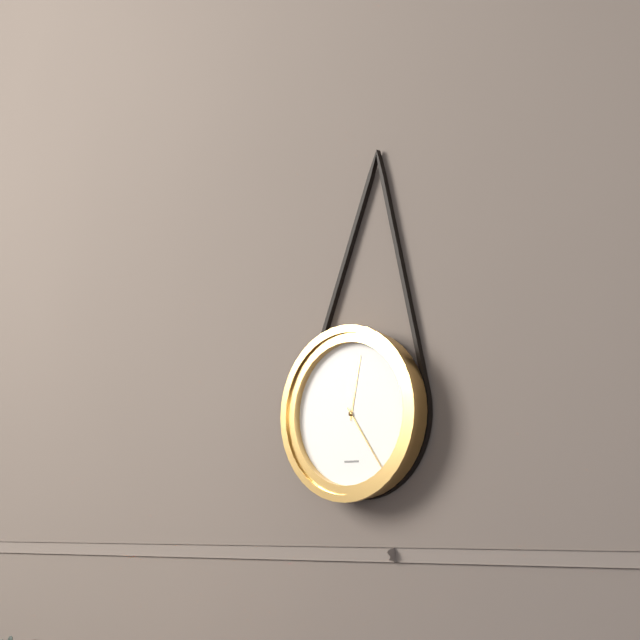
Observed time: **12:24**
